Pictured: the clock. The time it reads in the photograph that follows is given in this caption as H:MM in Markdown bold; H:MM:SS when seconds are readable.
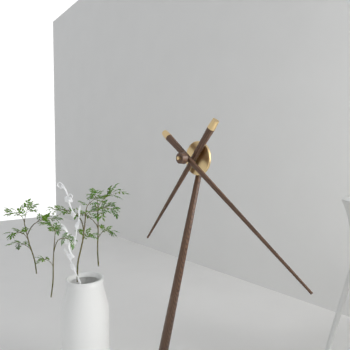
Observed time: **7:21**
